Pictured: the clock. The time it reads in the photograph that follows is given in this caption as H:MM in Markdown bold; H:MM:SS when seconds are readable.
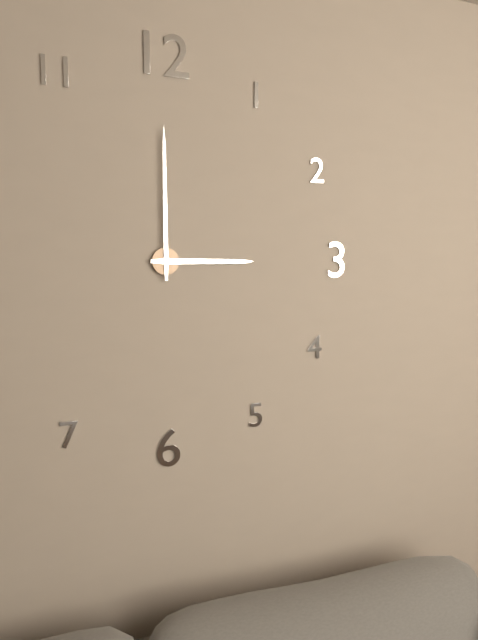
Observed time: **3:00**
